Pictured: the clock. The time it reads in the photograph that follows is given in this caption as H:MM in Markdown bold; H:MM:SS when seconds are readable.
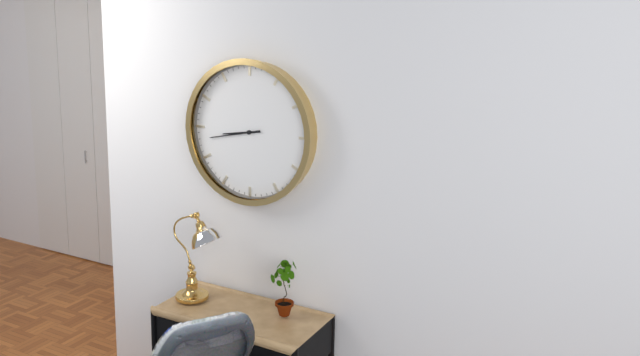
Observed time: **8:43**
